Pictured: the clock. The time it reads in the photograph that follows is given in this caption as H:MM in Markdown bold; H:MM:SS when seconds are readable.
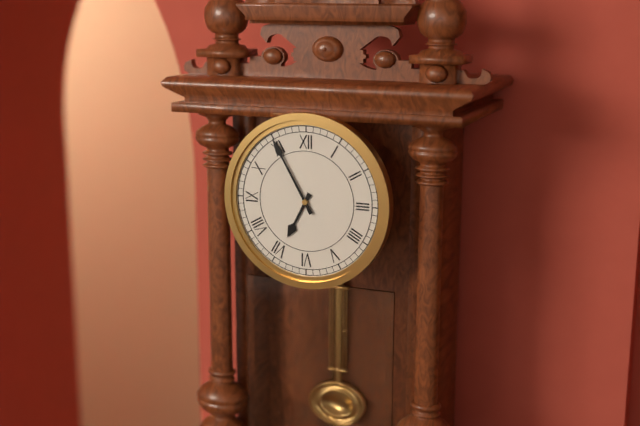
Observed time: **6:55**
